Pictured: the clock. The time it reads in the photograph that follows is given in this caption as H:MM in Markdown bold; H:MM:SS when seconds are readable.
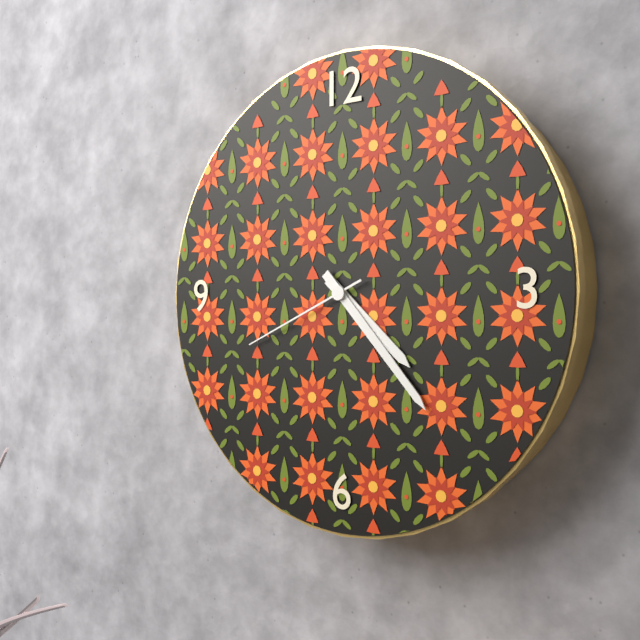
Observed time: **4:23:41**
